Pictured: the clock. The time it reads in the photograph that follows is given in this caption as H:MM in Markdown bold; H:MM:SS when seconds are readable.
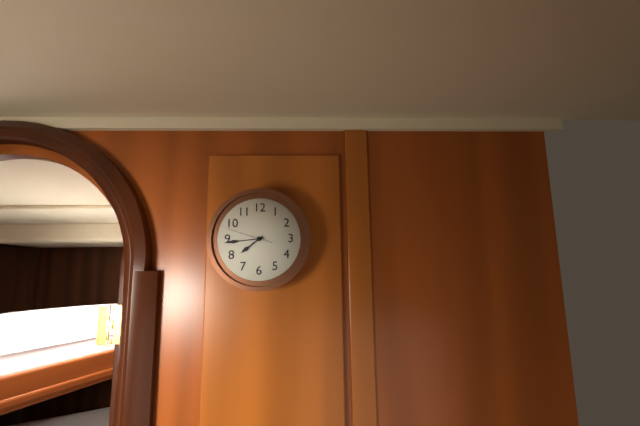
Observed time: **7:44**
